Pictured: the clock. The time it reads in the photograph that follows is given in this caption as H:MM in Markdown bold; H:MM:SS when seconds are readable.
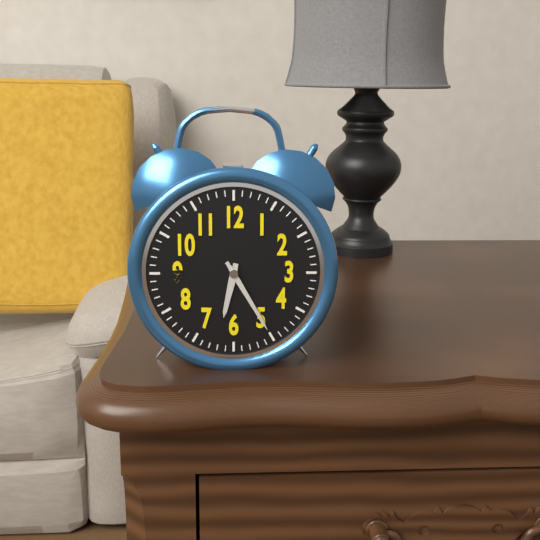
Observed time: **6:25**
